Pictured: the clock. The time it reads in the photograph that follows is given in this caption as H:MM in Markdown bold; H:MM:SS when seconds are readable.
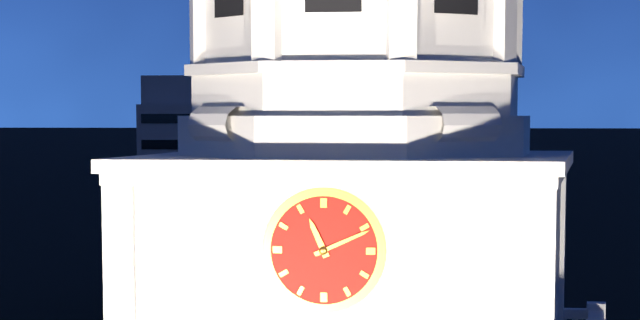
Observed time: **11:11**
